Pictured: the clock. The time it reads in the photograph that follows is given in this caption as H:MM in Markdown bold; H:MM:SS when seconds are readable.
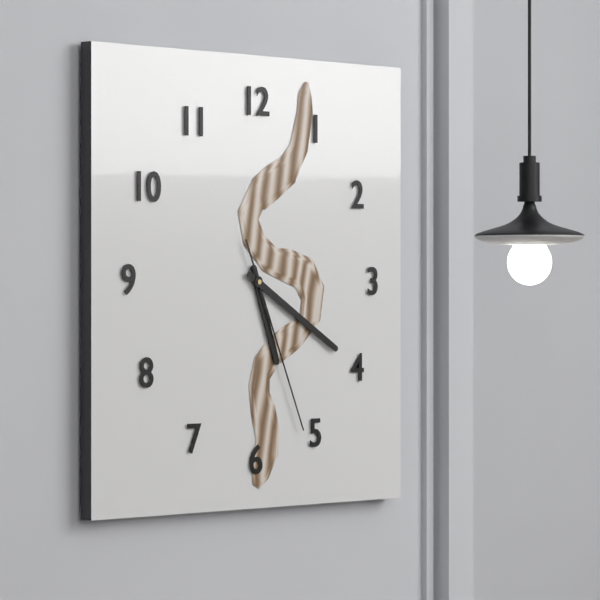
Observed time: **5:20:26**
